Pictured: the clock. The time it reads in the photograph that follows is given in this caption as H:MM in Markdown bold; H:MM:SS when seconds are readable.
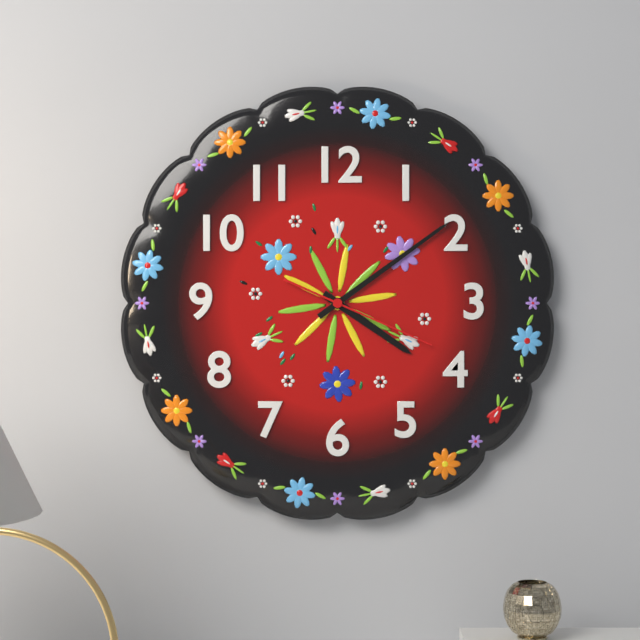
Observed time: **4:09:19**
